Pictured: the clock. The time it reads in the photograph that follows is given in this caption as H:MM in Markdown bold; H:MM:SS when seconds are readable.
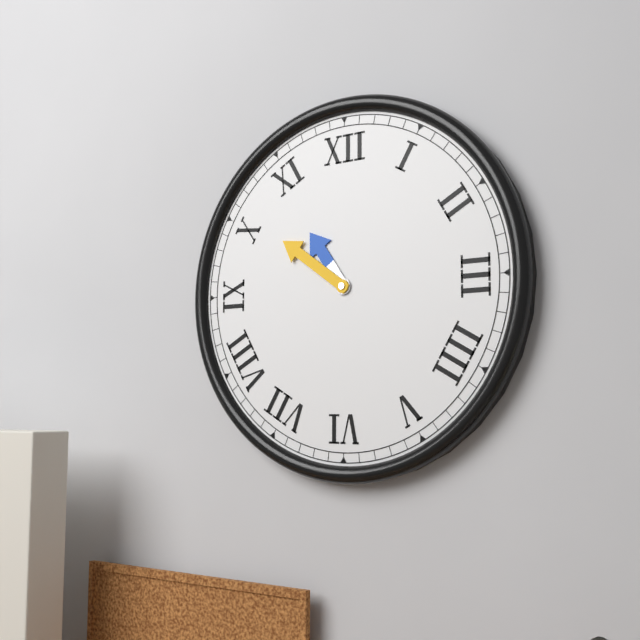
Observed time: **10:51**
